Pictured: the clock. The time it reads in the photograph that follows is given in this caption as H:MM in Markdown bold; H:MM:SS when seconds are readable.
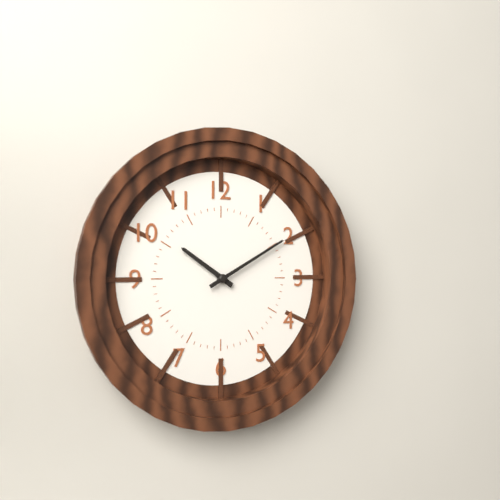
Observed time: **10:10**
